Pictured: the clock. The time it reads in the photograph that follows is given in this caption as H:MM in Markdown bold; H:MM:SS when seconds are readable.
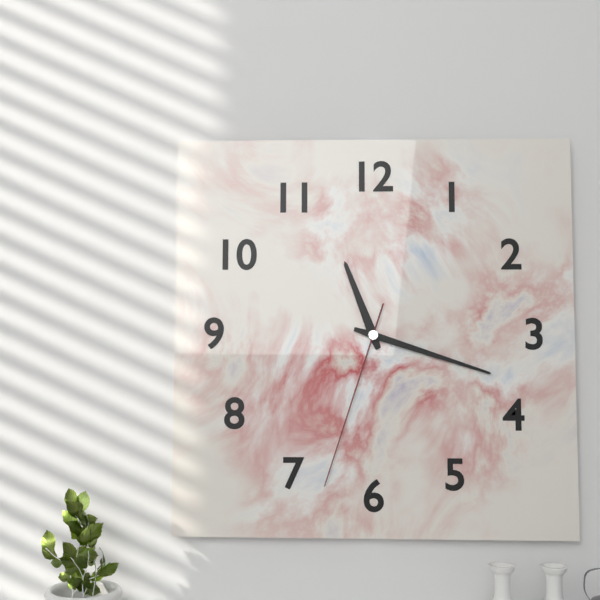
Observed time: **11:18:33**
